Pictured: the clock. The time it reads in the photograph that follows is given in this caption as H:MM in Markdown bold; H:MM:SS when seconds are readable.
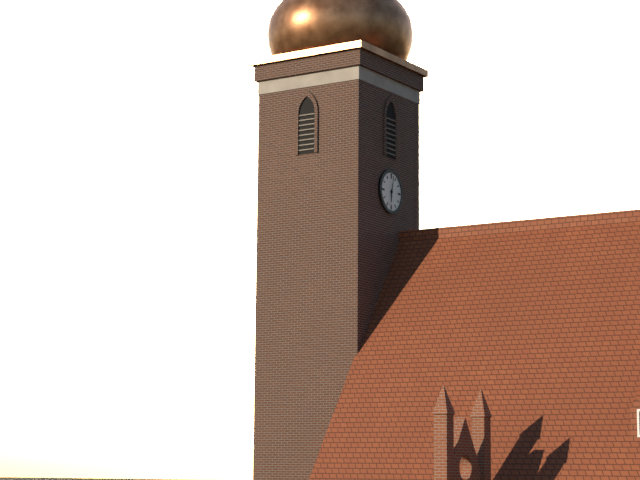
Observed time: **6:02**
